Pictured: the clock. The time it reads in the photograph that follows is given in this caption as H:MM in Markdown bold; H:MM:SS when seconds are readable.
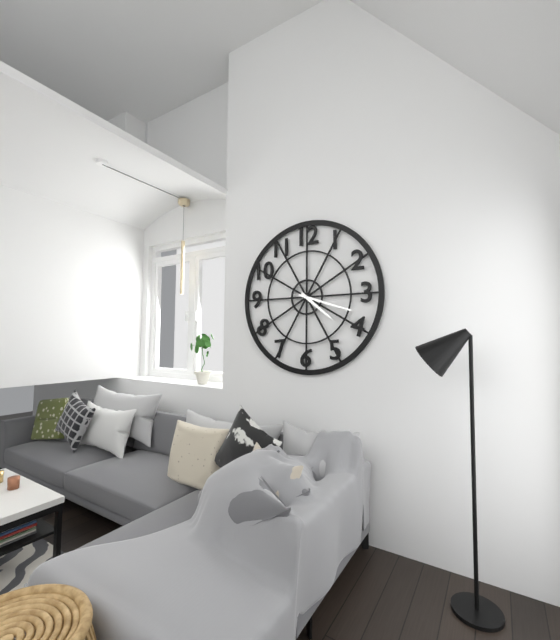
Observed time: **4:18**
